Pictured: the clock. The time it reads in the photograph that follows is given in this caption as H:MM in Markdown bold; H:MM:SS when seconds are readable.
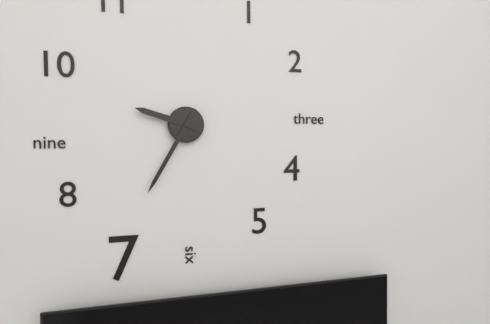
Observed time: **9:35**
